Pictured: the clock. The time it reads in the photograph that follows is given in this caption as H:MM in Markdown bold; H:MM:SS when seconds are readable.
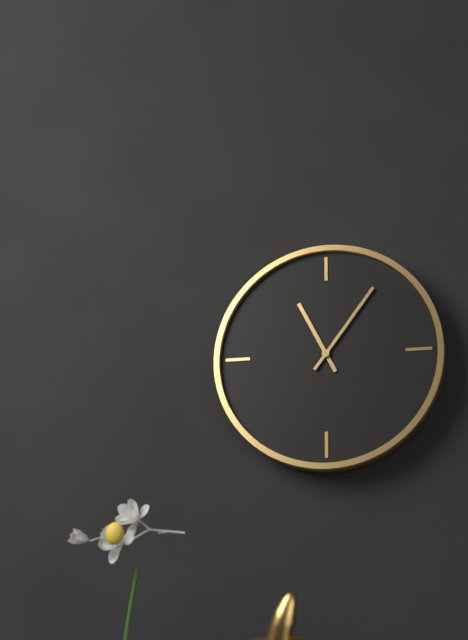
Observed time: **11:06**
